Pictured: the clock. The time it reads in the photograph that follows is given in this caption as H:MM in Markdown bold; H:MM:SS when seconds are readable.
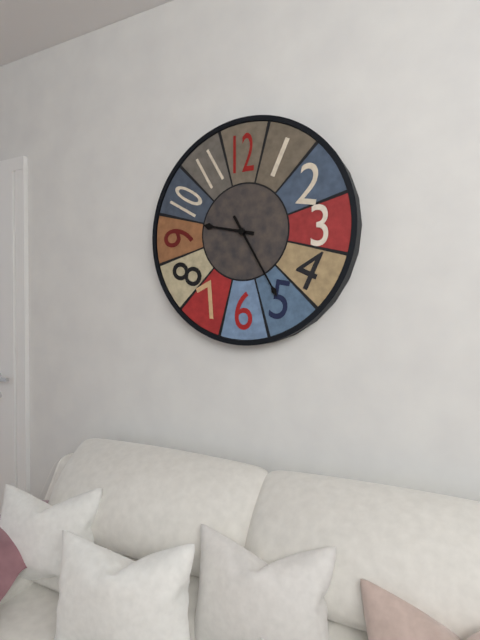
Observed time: **9:25**
